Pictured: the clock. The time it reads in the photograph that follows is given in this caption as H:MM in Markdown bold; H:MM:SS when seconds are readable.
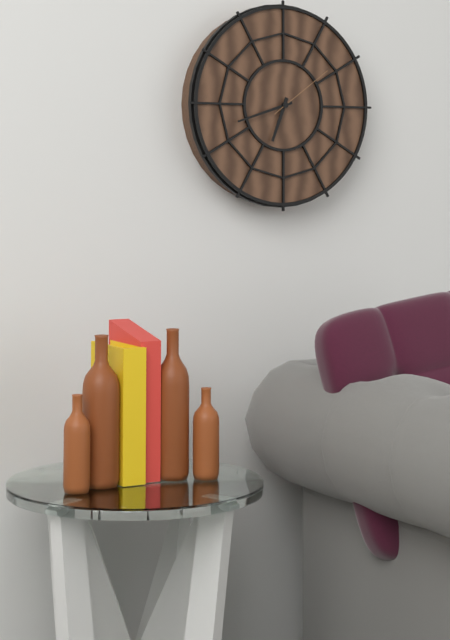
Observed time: **6:42:09**
